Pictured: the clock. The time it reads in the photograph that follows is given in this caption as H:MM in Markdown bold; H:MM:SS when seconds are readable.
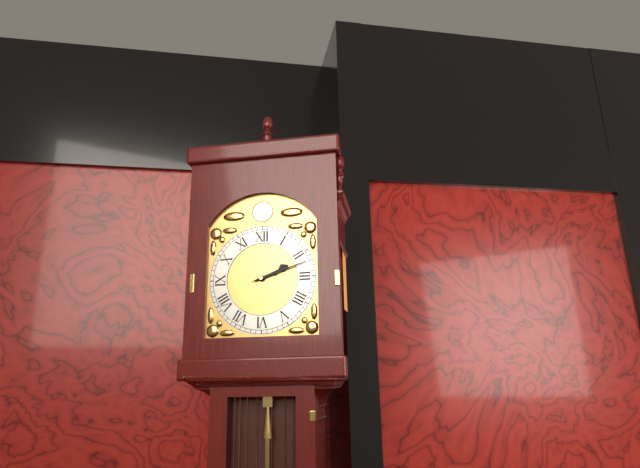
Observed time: **2:12**
